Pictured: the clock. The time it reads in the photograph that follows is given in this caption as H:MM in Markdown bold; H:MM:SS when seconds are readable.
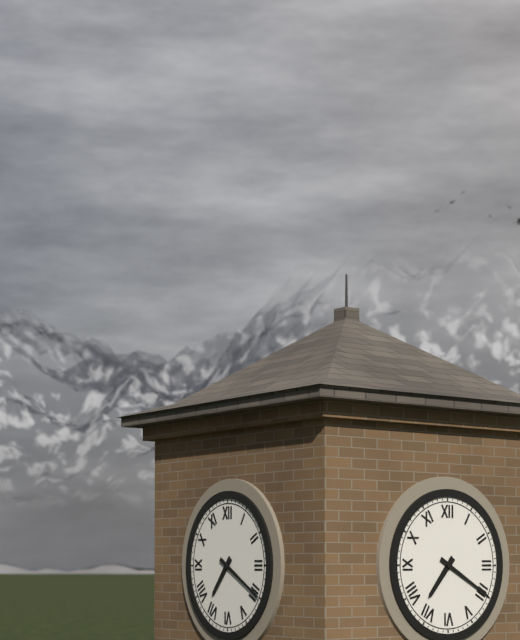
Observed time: **7:20**
